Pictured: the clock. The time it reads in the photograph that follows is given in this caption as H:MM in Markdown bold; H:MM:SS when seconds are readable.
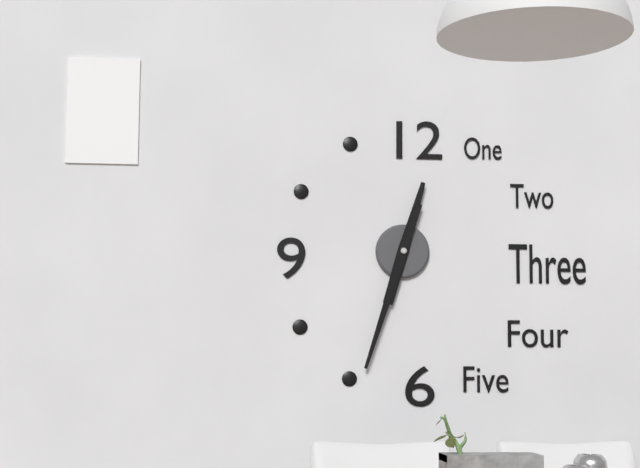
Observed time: **12:33**
